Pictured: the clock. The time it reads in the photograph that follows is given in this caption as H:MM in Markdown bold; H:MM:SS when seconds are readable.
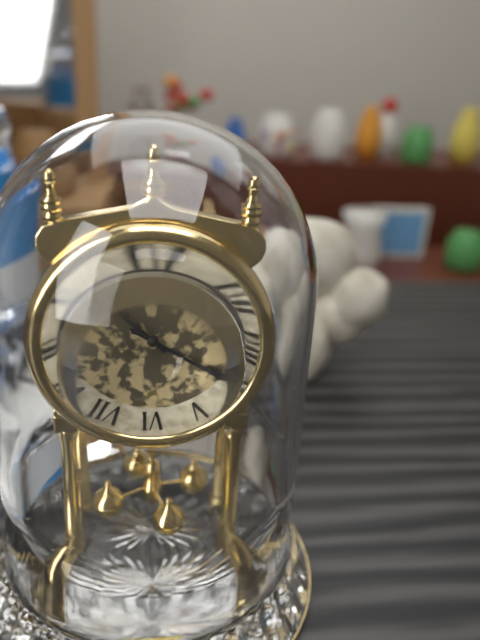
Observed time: **10:20**
